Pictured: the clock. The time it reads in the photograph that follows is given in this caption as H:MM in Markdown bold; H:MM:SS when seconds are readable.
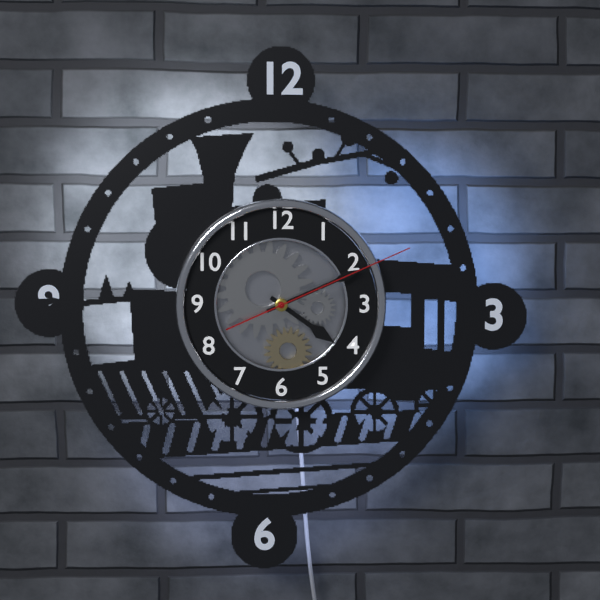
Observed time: **4:11:11**
